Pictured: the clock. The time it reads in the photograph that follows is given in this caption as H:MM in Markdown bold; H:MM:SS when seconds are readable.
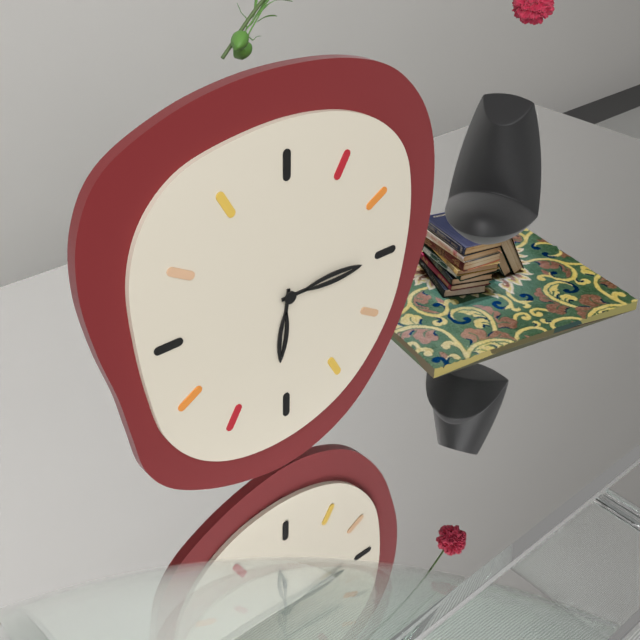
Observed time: **6:15**
